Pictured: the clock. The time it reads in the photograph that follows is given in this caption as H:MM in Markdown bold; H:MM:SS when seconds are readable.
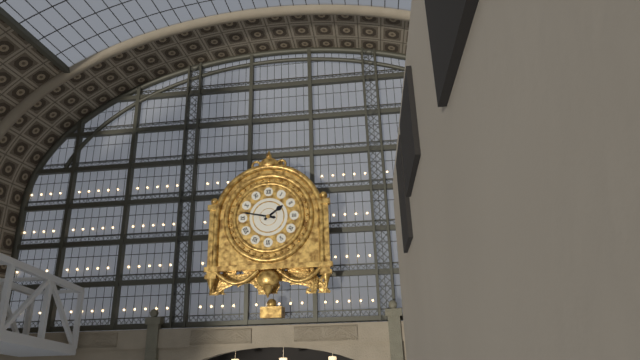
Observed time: **1:47**
